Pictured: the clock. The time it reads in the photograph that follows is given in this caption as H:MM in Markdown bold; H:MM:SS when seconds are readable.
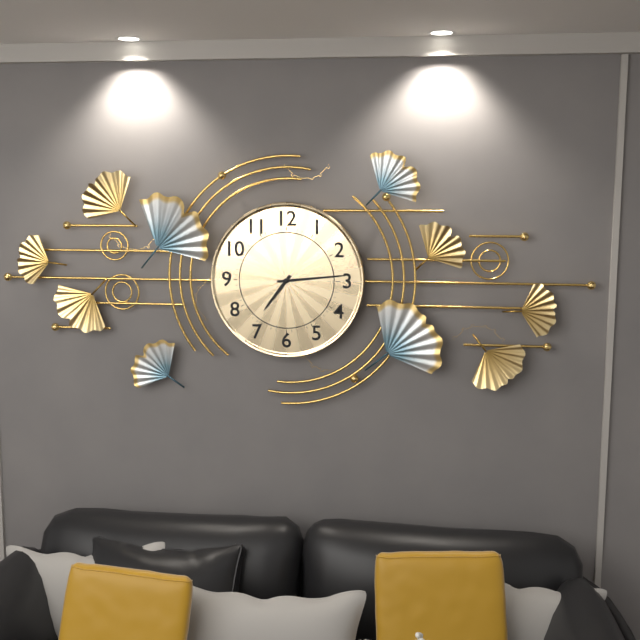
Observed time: **7:14**
